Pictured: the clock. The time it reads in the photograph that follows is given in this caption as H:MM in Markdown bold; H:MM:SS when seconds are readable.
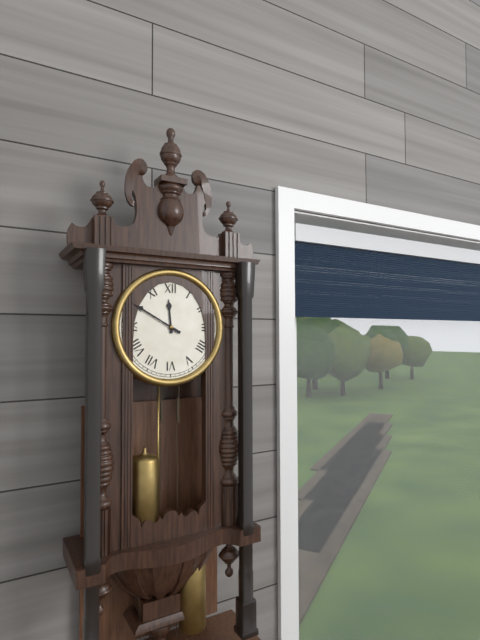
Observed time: **11:50**
